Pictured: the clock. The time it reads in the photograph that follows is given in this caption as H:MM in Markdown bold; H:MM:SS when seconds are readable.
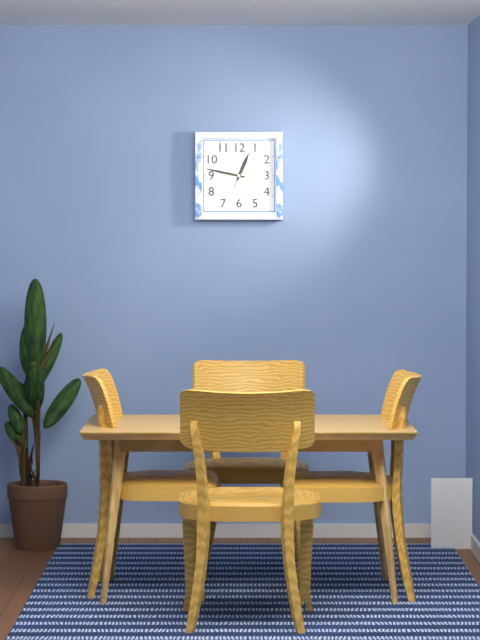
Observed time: **12:47**
